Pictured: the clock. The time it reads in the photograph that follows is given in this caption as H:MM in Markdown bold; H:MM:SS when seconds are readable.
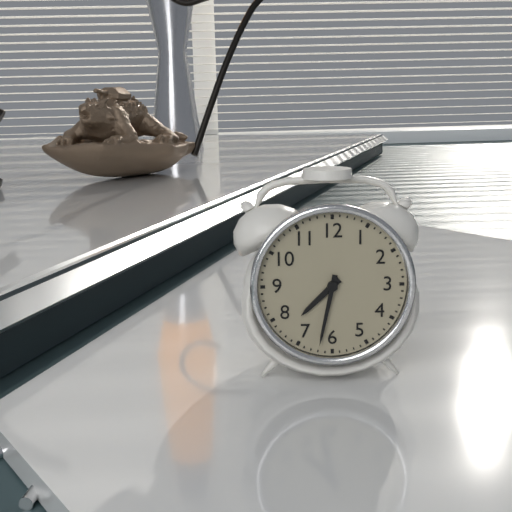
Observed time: **7:32**
